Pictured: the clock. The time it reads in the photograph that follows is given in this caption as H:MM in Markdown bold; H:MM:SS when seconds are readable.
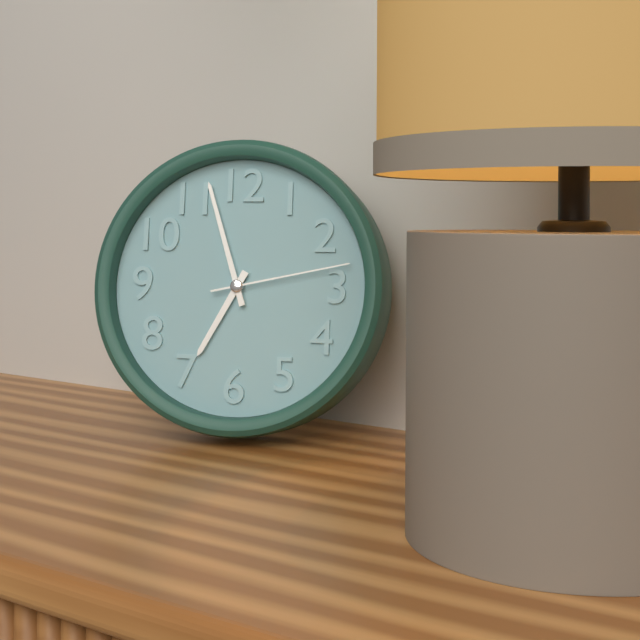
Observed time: **6:57:13**
